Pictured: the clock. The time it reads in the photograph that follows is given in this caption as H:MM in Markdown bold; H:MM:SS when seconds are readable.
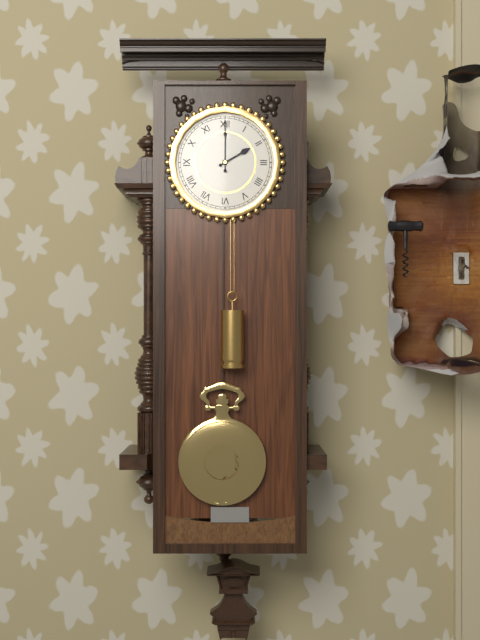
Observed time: **2:00**
